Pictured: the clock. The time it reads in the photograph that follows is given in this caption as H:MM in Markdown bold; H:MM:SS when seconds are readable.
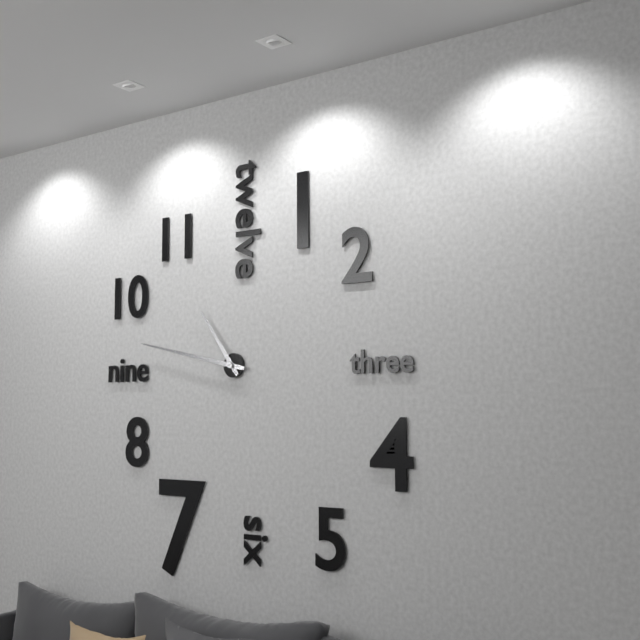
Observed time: **10:47**
